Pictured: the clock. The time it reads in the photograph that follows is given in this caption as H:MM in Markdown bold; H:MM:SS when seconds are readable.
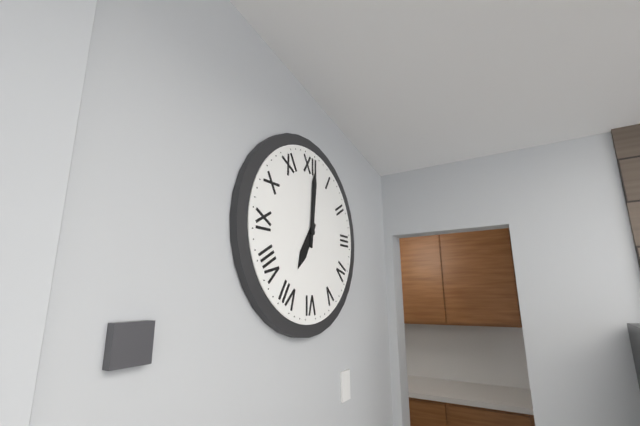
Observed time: **7:01**
